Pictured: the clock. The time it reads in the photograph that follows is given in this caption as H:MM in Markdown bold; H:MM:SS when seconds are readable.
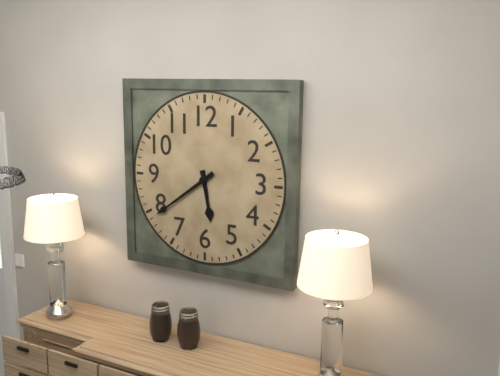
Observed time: **5:39**
